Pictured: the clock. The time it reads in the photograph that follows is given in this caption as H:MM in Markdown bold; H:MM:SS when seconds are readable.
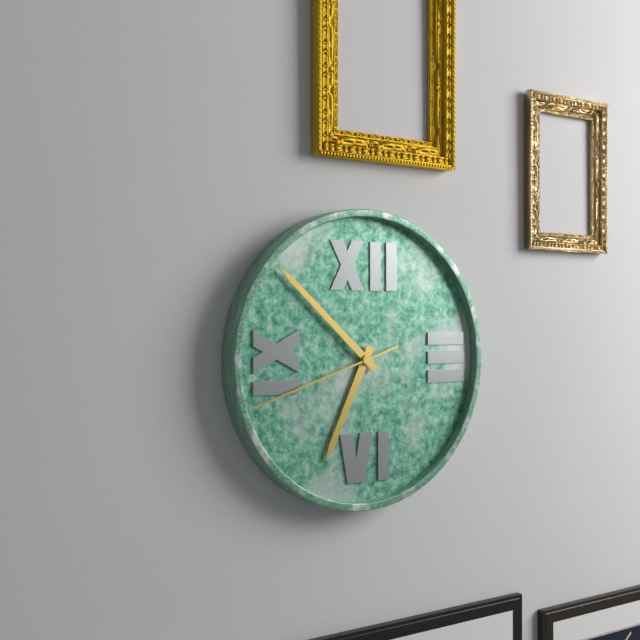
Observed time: **6:52:42**
